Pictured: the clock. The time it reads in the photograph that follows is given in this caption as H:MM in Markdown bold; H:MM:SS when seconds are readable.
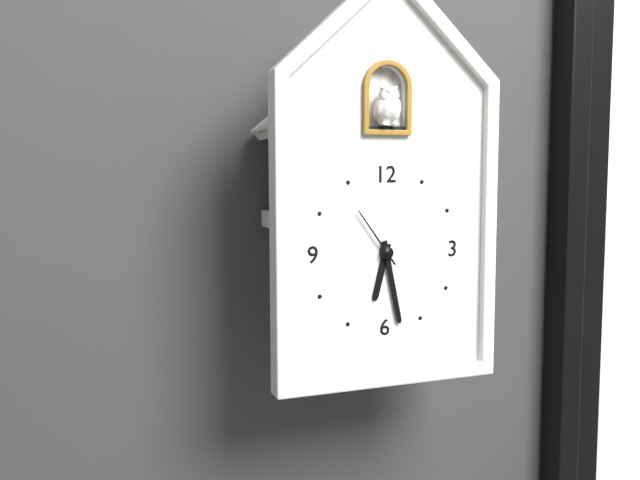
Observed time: **6:28**
